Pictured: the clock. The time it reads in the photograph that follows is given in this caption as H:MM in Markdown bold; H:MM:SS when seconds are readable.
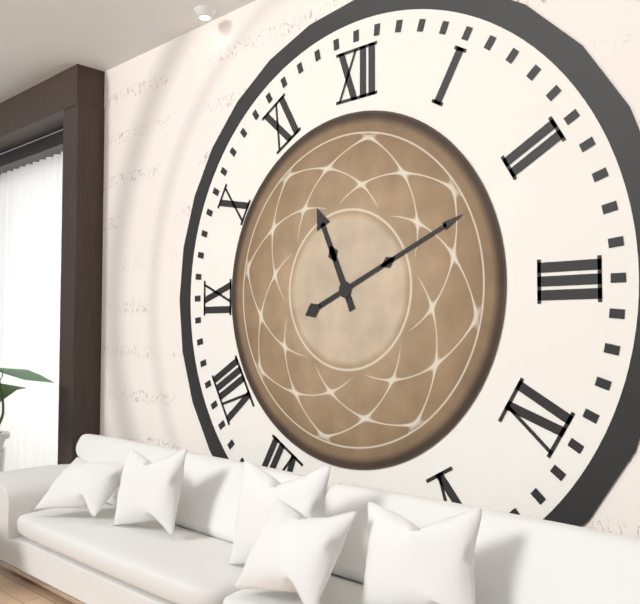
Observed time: **11:11**
